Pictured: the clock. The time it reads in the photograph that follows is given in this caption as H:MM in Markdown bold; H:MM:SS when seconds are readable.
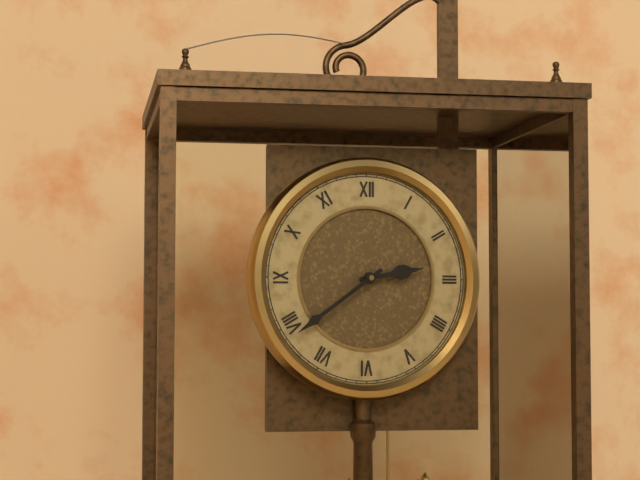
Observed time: **2:39**
